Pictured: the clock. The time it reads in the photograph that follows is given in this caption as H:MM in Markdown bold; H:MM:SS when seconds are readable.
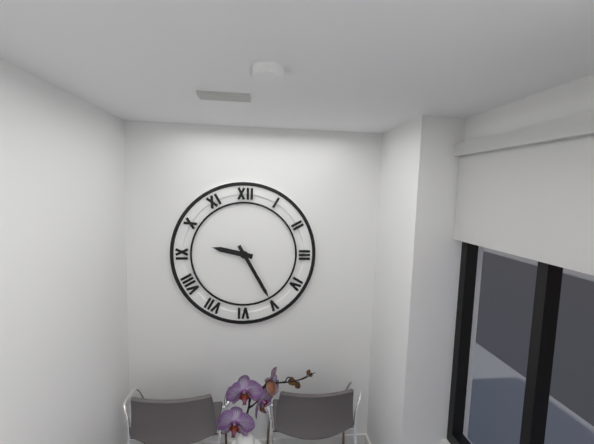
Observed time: **9:25**
